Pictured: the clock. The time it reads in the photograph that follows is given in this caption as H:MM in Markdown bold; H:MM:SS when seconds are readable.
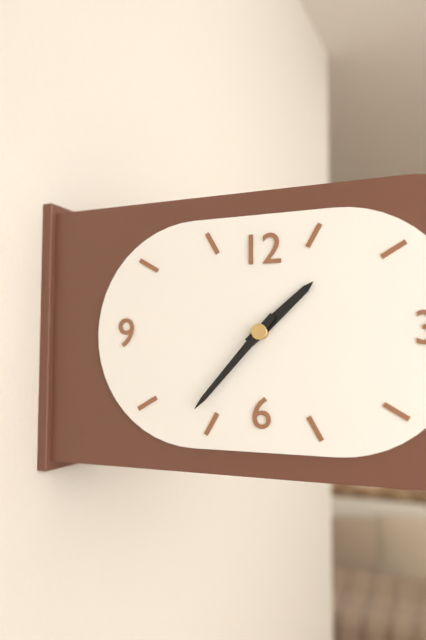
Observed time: **1:37**
